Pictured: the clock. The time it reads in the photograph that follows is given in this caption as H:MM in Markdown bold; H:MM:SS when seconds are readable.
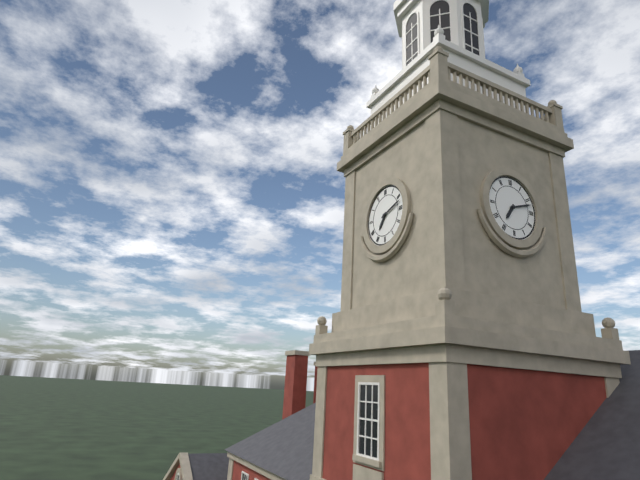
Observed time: **7:12**
